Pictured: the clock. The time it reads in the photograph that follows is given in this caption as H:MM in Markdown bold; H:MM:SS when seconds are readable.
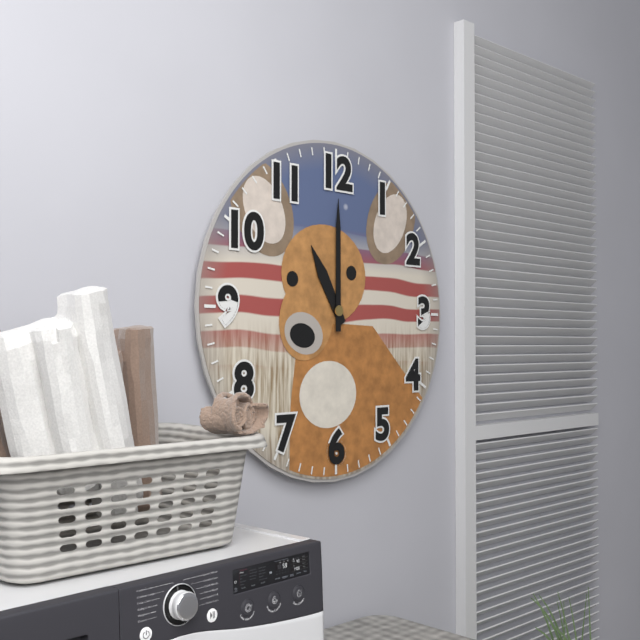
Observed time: **11:00**
